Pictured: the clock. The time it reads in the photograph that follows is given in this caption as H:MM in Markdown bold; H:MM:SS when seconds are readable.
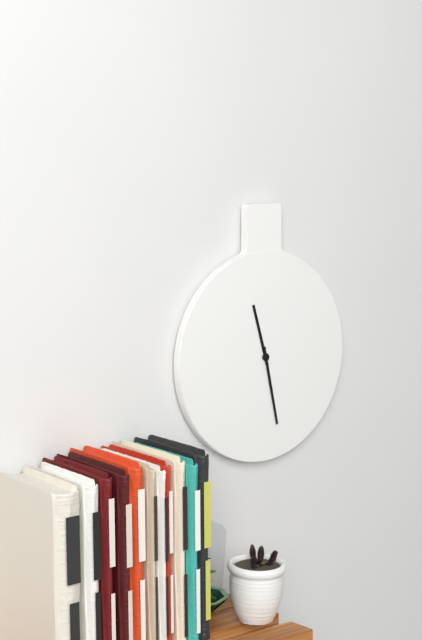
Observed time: **11:28**
